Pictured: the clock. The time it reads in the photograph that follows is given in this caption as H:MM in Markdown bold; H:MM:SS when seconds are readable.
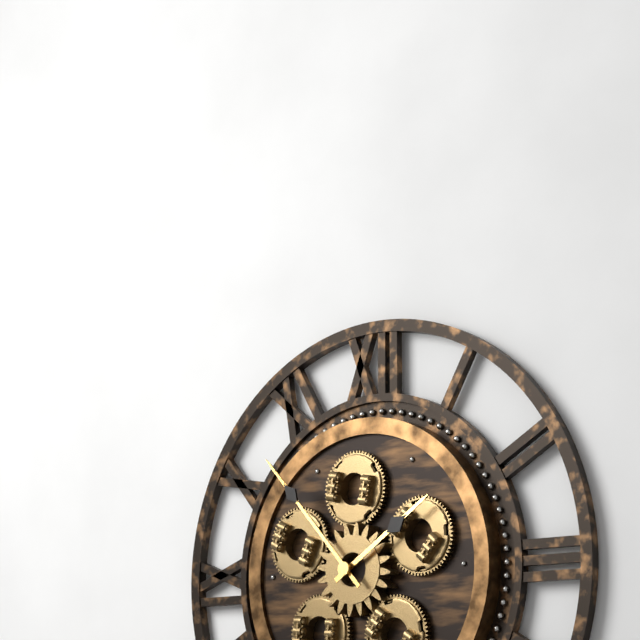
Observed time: **1:53**
